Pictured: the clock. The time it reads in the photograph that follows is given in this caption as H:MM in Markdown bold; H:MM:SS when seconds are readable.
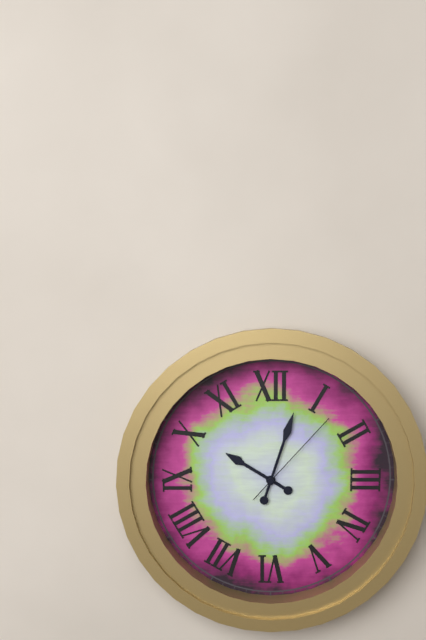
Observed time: **10:03:07**
